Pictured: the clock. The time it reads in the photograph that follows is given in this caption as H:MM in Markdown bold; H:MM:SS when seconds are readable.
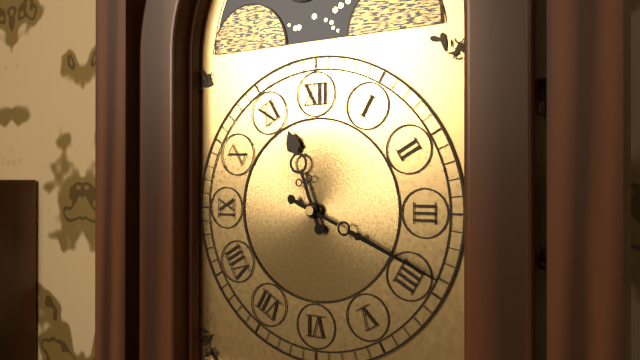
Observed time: **11:19**
